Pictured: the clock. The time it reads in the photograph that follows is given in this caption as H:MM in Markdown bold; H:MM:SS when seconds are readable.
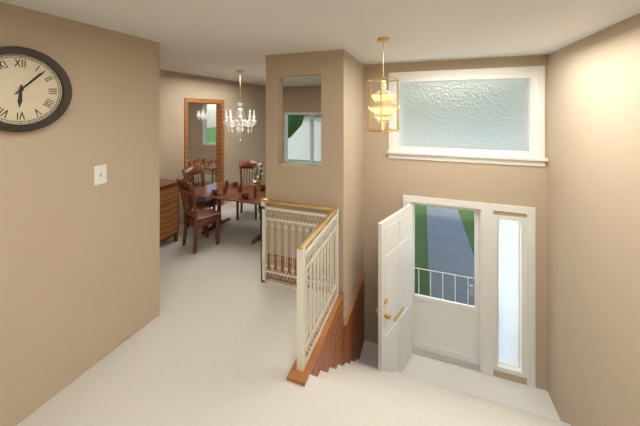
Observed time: **6:07**
